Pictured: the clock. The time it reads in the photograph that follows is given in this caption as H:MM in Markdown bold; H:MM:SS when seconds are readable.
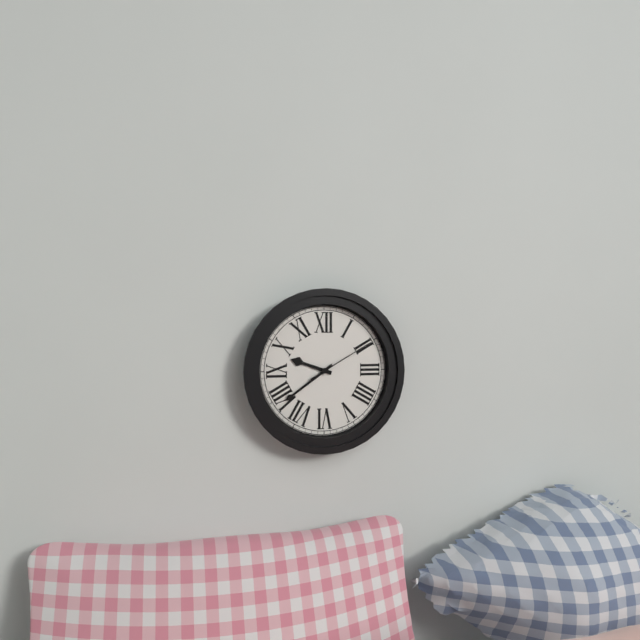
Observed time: **9:39:10**
